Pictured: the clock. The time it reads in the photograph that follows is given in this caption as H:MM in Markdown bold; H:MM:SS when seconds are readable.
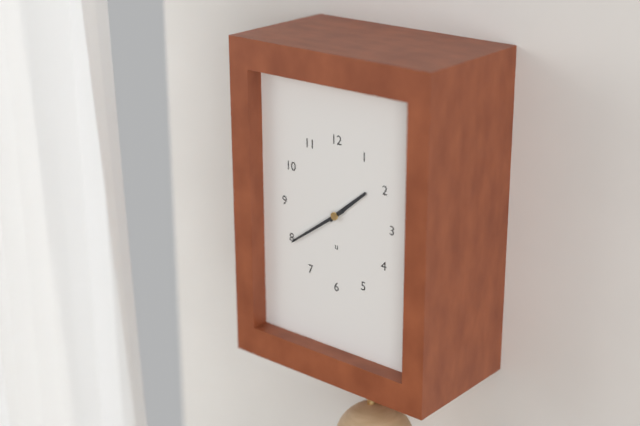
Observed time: **1:39**
